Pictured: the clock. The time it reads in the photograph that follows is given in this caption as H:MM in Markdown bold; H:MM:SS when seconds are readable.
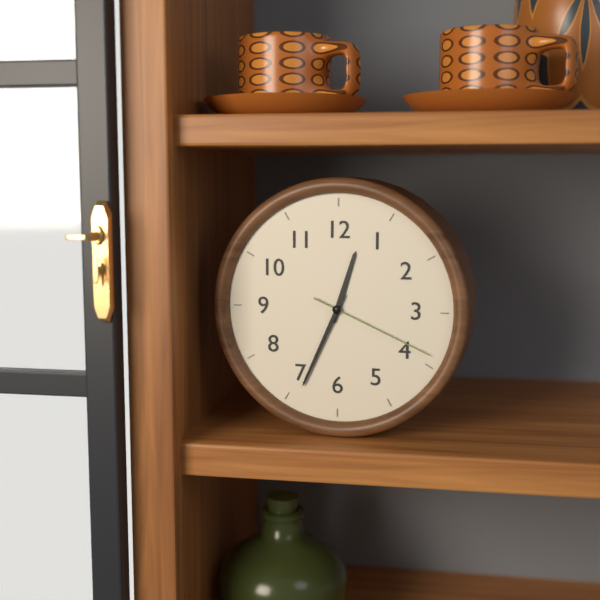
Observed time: **12:34:19**
